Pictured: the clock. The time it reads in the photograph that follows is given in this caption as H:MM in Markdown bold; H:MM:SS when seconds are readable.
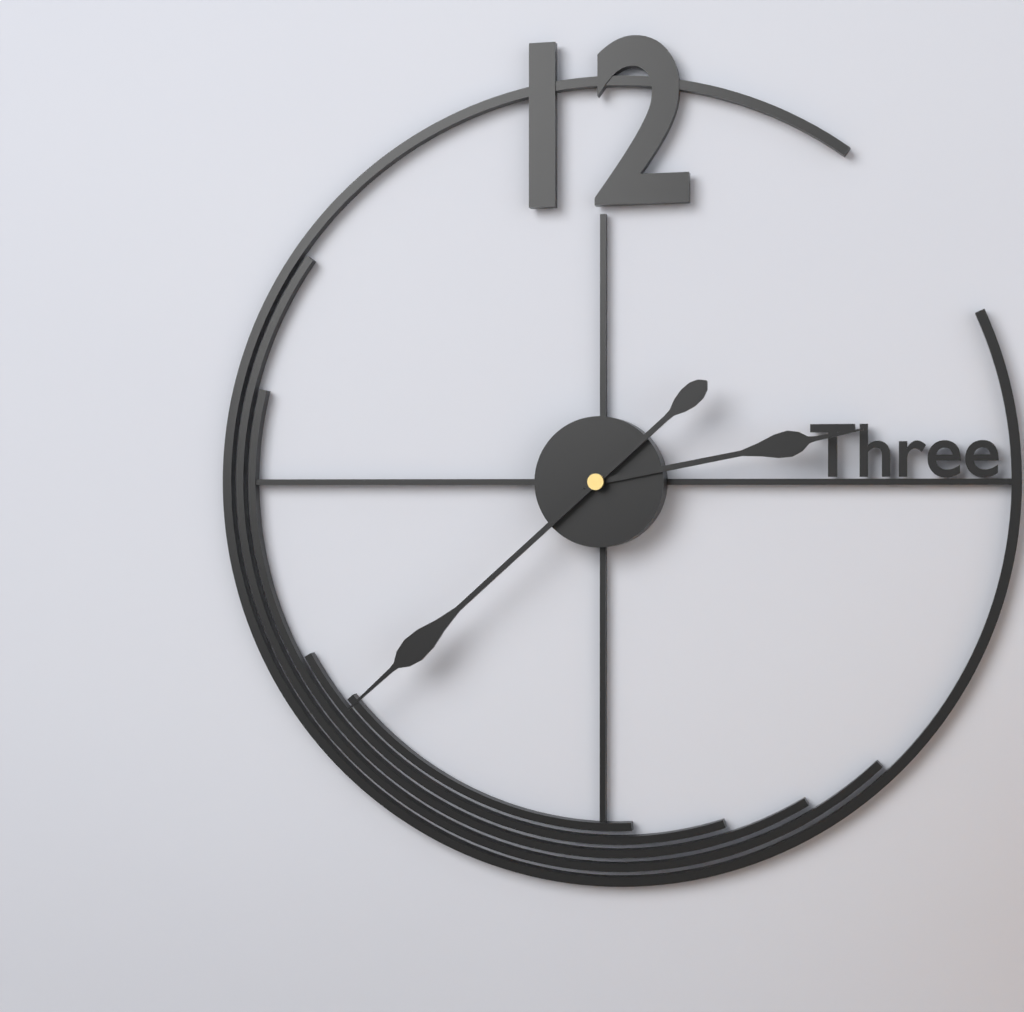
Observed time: **2:38**
